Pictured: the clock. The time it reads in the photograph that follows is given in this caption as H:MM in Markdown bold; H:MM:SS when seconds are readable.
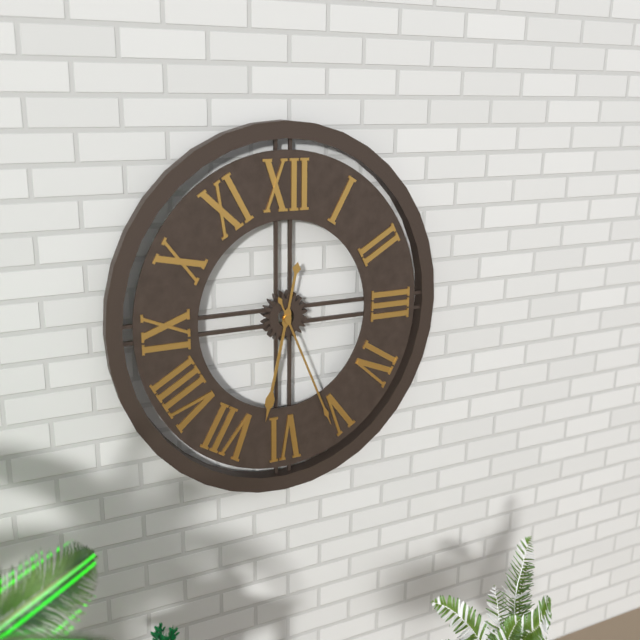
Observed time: **6:26**
